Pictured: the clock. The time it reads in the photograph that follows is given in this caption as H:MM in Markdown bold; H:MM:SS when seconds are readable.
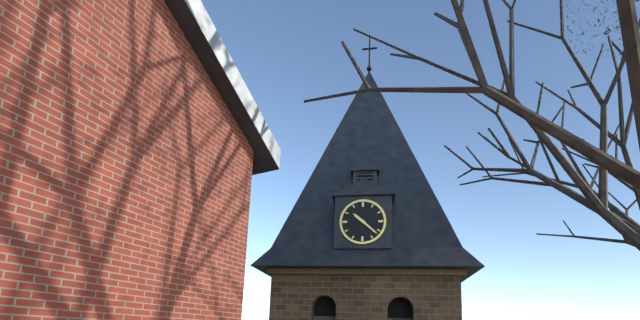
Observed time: **10:22**
